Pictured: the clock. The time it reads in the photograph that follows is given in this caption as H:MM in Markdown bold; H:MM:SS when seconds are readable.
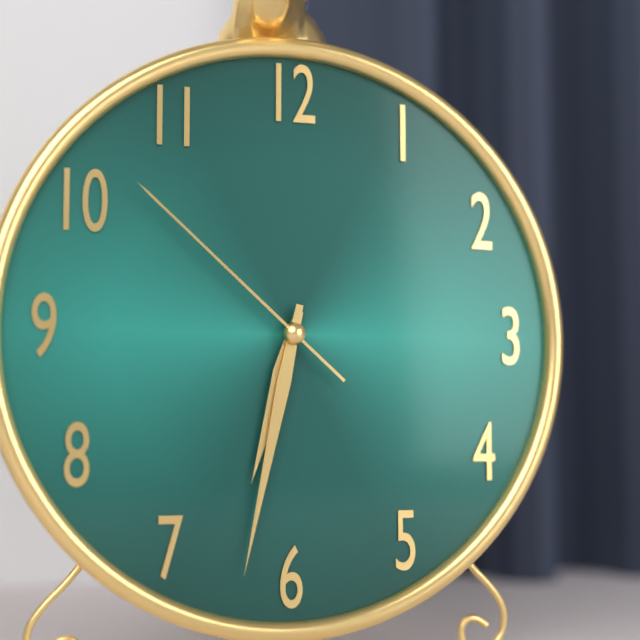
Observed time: **6:32:52**
